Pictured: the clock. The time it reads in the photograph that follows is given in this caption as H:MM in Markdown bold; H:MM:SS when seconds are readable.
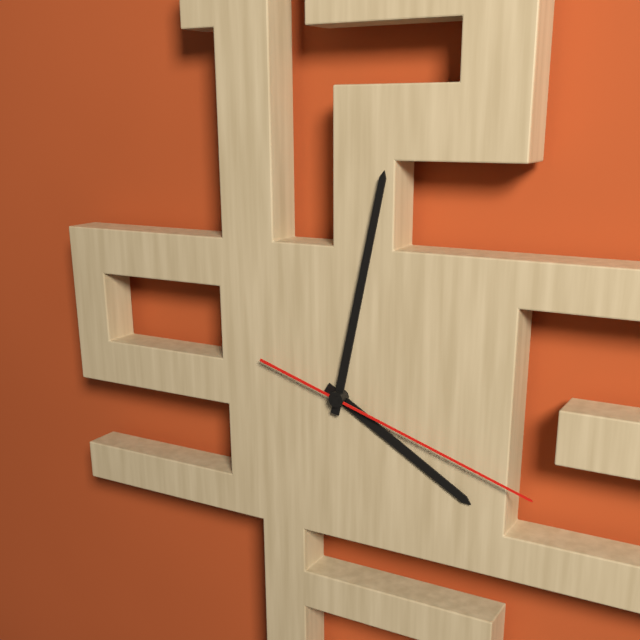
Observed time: **4:02:18**
